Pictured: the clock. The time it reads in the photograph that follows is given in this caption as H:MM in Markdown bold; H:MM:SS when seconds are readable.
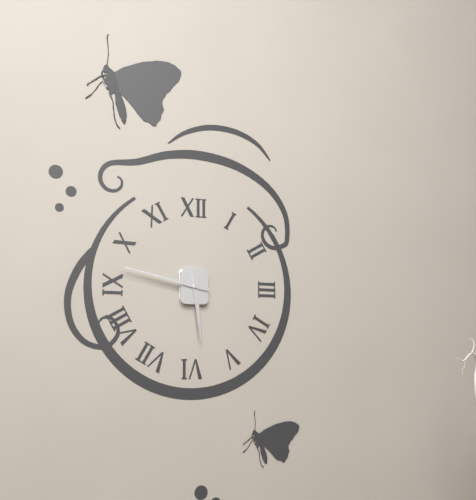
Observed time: **5:47**
